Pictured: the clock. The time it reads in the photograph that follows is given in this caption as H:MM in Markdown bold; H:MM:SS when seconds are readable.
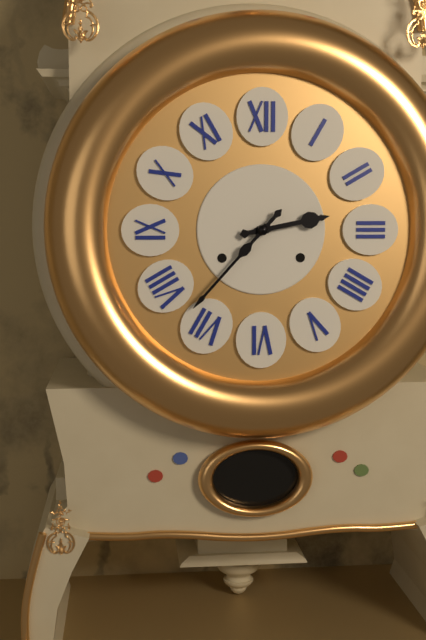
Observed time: **2:37**
